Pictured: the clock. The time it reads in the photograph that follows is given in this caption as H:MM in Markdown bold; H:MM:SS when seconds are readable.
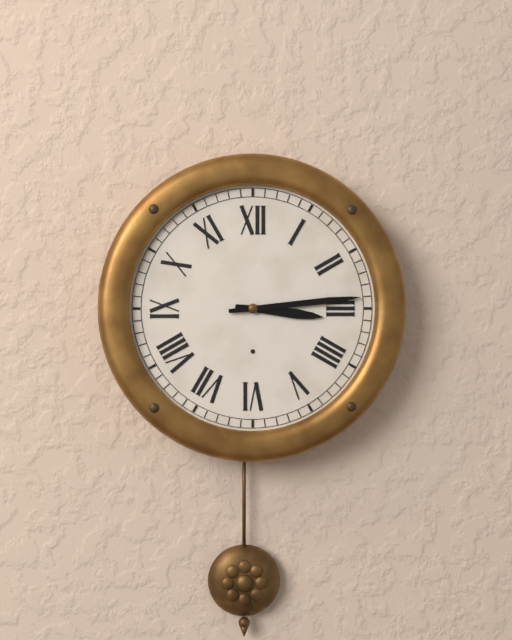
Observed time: **3:14**
